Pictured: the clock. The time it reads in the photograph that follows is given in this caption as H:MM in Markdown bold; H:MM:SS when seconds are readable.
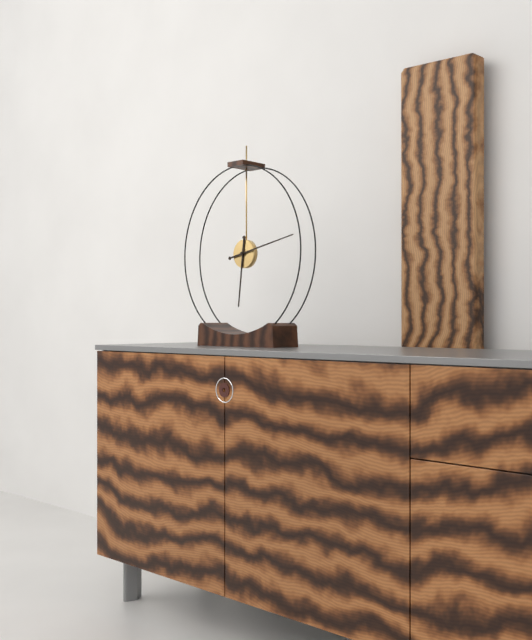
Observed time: **6:13**
